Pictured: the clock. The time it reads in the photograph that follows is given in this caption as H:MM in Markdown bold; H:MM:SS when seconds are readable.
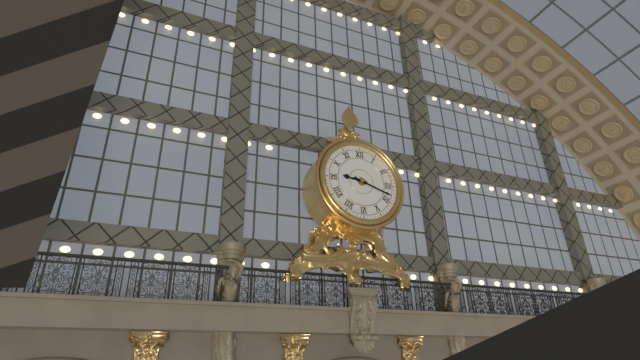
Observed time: **9:18**
